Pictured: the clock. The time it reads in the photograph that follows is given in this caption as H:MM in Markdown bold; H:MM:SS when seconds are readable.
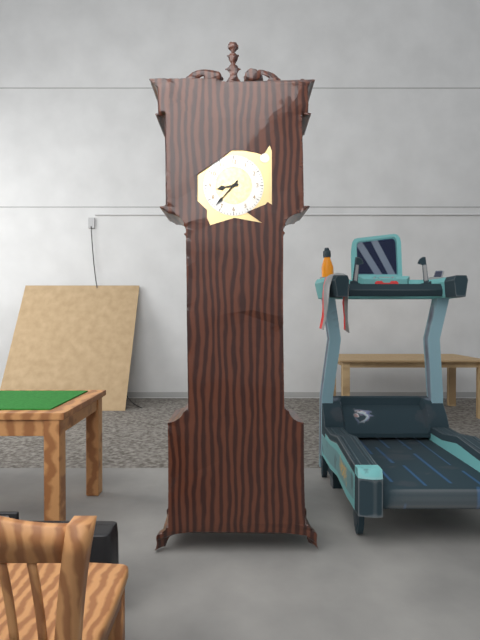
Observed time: **8:37**
